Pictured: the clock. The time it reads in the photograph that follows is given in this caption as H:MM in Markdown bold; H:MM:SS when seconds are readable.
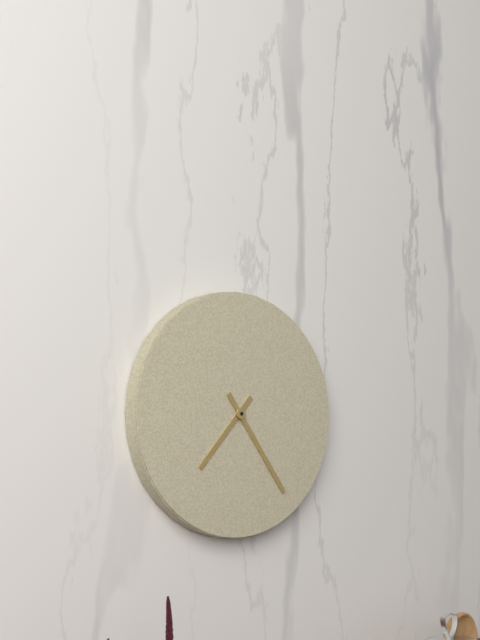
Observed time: **7:24**
